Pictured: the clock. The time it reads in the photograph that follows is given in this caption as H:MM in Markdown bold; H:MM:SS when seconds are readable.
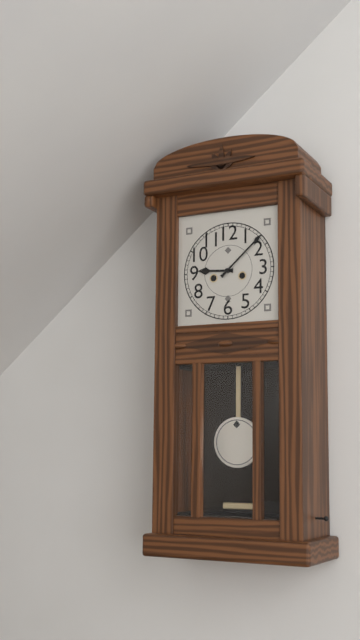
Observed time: **9:08**
